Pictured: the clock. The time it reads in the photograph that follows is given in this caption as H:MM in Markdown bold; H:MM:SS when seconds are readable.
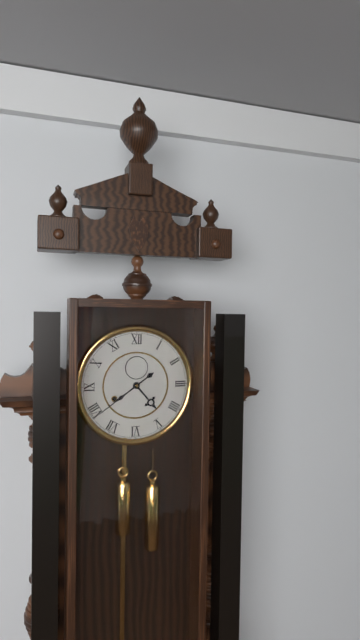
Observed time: **4:39**
